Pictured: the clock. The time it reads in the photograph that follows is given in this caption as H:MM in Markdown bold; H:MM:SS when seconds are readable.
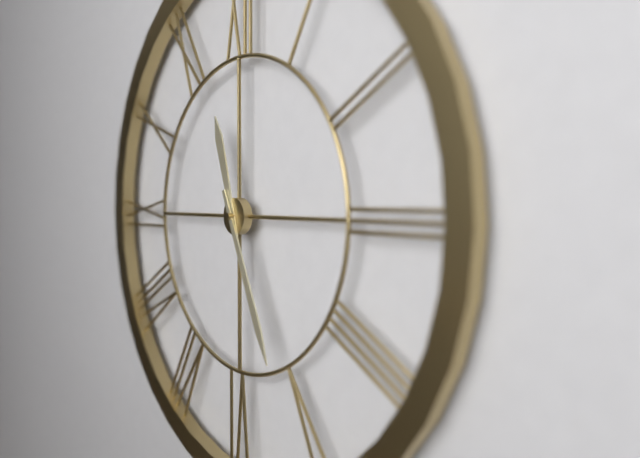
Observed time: **11:26**
